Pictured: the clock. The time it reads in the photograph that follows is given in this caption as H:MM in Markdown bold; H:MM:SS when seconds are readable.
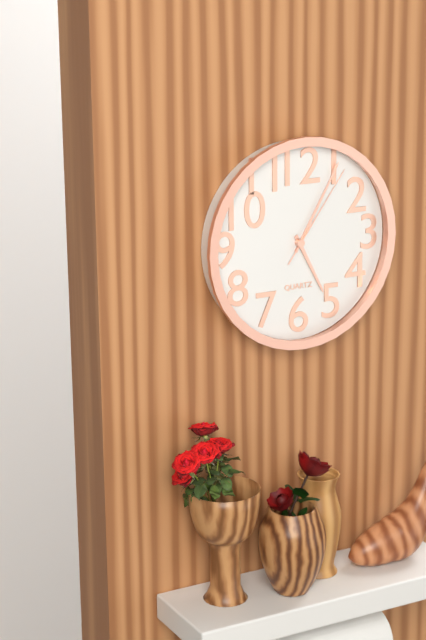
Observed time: **5:05:06**
